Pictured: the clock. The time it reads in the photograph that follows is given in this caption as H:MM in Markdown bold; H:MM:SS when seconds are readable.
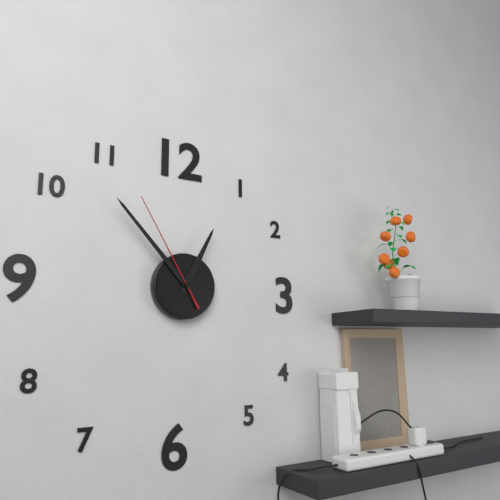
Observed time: **12:53:55**
